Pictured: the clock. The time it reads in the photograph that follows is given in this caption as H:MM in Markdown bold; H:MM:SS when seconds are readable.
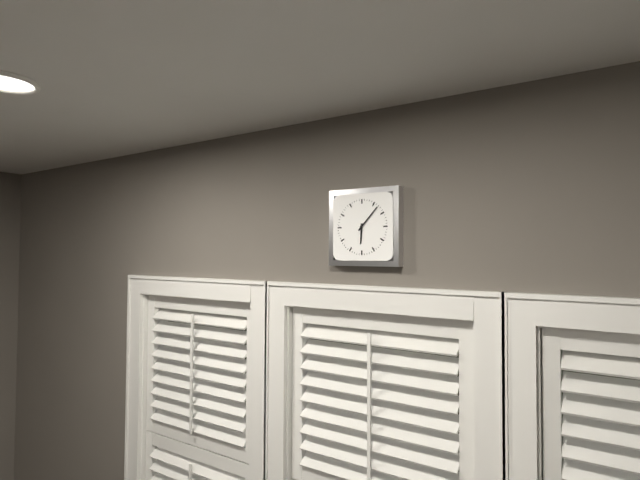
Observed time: **6:07**
